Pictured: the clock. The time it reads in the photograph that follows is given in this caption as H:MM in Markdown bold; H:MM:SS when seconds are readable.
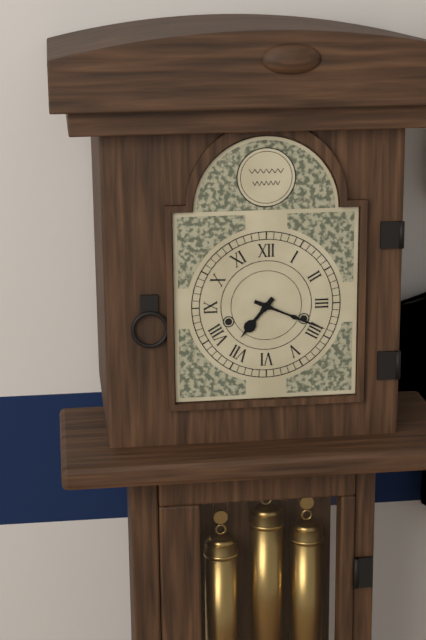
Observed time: **7:19**
